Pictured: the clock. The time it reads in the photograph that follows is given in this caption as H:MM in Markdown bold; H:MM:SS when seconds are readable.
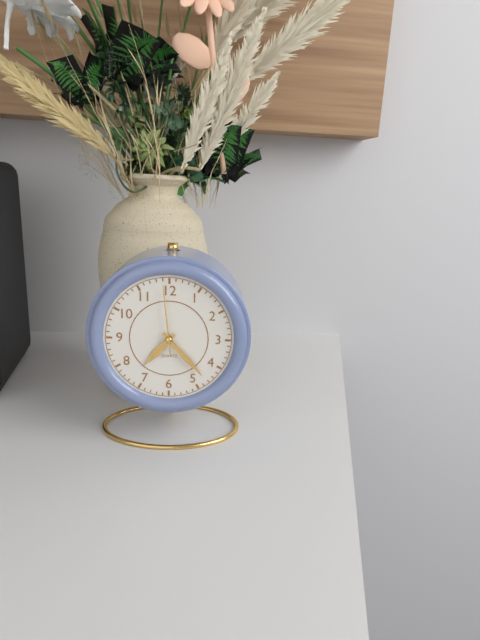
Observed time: **7:23:59**
